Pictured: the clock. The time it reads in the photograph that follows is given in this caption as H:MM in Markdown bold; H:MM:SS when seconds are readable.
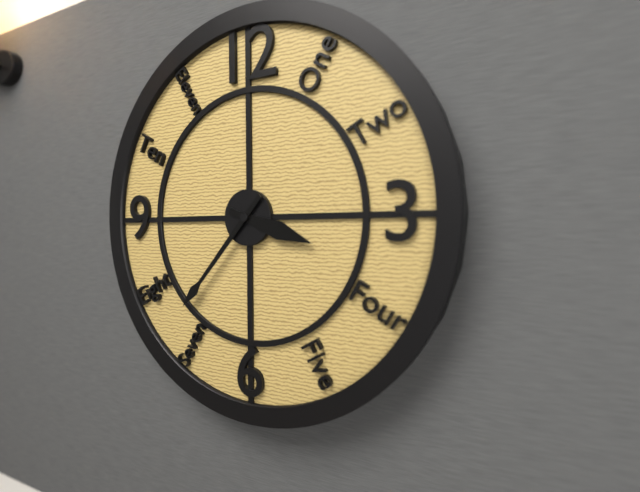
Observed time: **3:37**
